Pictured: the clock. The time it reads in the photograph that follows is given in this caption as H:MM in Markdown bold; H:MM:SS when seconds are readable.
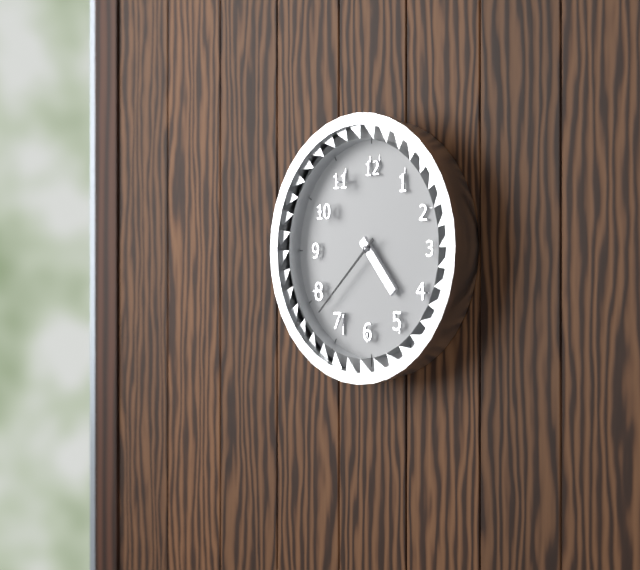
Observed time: **4:38**
